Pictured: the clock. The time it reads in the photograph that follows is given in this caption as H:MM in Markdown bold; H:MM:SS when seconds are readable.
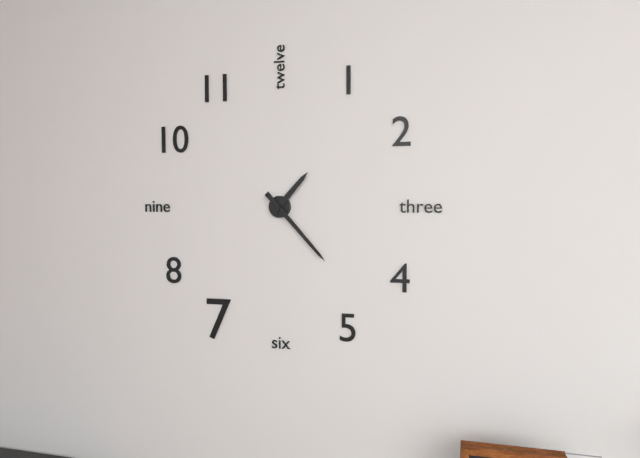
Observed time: **1:23**
